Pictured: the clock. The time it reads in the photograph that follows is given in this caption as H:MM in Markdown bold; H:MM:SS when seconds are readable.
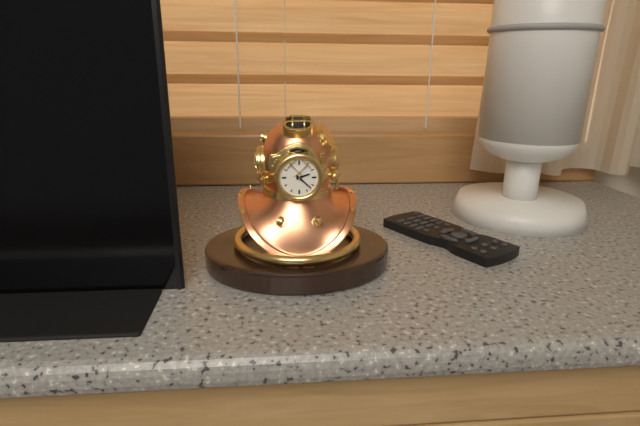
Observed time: **2:22**
